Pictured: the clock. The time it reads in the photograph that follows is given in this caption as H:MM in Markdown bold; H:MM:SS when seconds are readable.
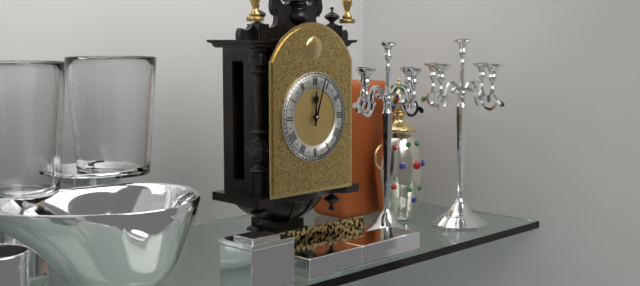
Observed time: **12:03**
